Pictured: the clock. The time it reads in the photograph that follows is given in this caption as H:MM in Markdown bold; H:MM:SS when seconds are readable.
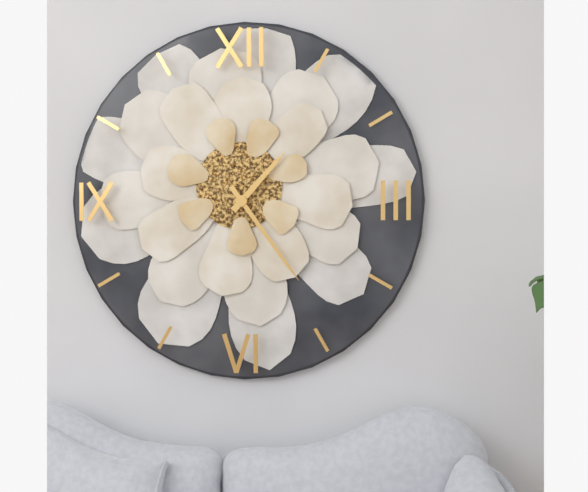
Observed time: **1:24**
